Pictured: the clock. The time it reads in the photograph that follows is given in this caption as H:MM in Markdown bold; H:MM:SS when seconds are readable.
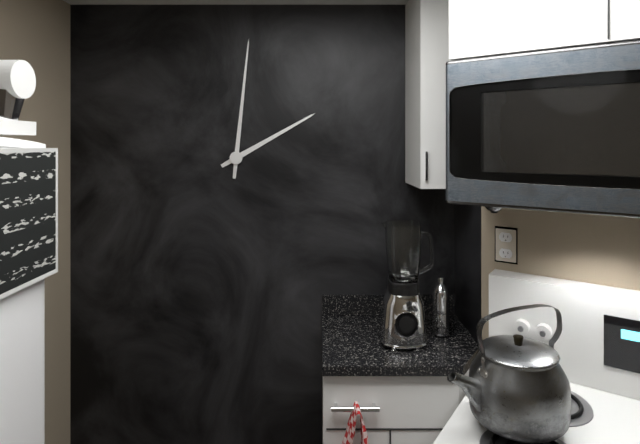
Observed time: **2:01**
